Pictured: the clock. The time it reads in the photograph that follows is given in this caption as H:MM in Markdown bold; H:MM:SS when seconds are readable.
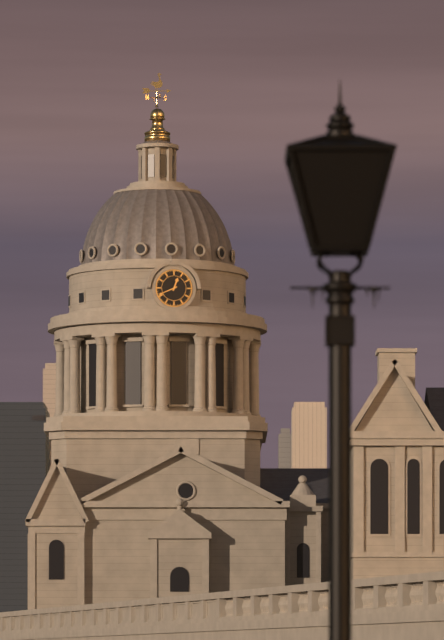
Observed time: **12:41**
